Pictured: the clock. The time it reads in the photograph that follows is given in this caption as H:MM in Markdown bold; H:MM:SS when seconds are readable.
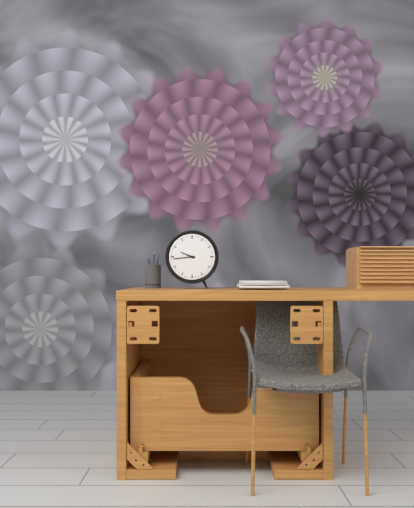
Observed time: **9:44**
